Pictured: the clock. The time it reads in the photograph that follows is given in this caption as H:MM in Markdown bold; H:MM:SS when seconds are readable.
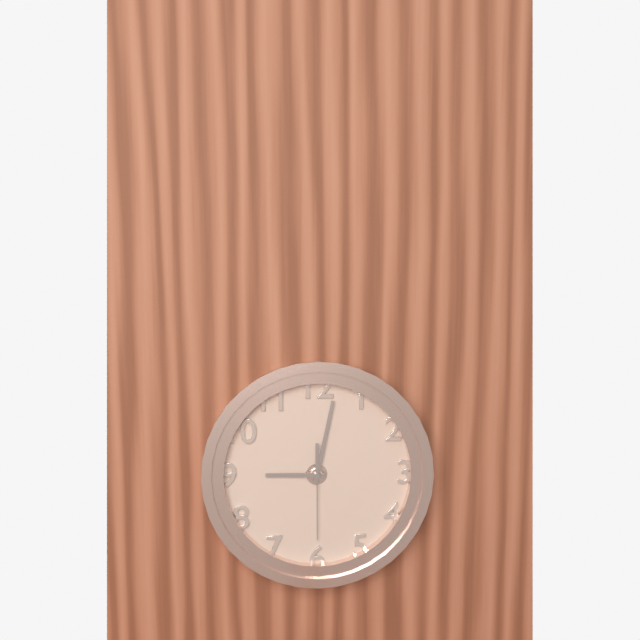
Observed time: **9:02:30**
